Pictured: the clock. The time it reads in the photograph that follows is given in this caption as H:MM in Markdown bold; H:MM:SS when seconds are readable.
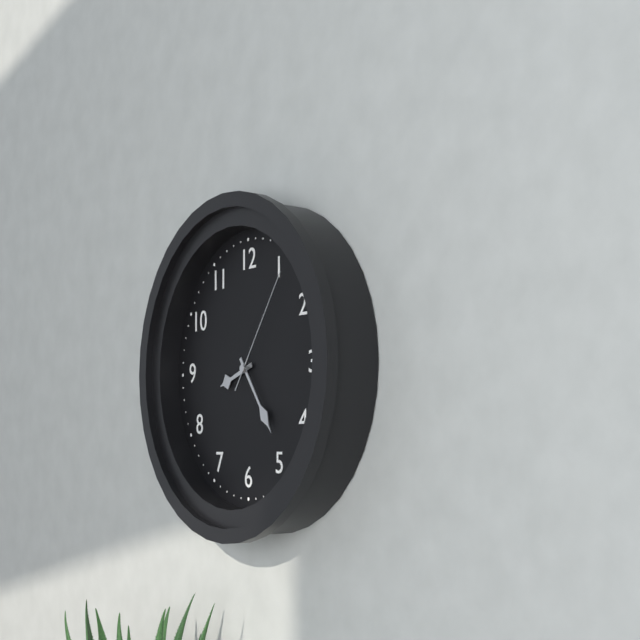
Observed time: **8:24:06**
